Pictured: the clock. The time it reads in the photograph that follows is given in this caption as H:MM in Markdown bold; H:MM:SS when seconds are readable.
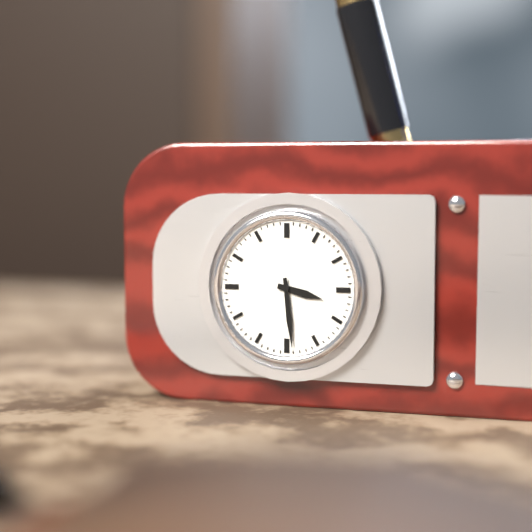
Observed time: **3:29**
